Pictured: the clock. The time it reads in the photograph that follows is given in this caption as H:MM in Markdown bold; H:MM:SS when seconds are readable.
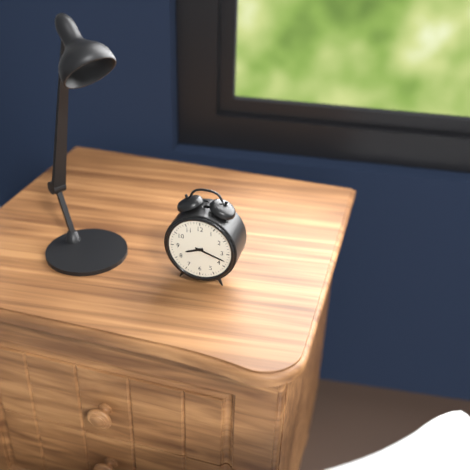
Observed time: **8:18**
